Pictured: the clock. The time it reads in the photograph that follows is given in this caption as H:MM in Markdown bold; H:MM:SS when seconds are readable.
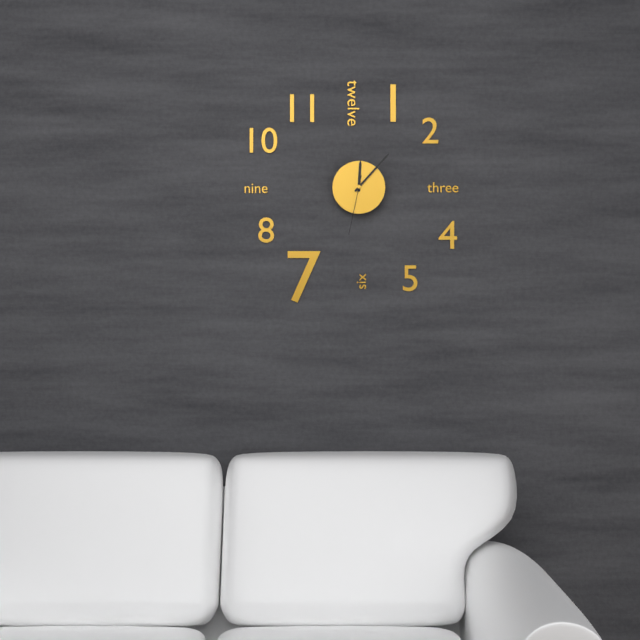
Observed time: **12:07:32**
